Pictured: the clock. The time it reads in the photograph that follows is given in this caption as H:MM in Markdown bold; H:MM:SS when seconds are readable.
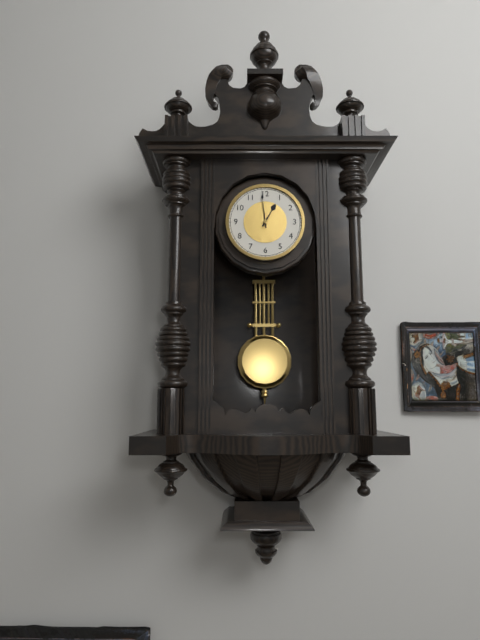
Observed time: **12:59**
